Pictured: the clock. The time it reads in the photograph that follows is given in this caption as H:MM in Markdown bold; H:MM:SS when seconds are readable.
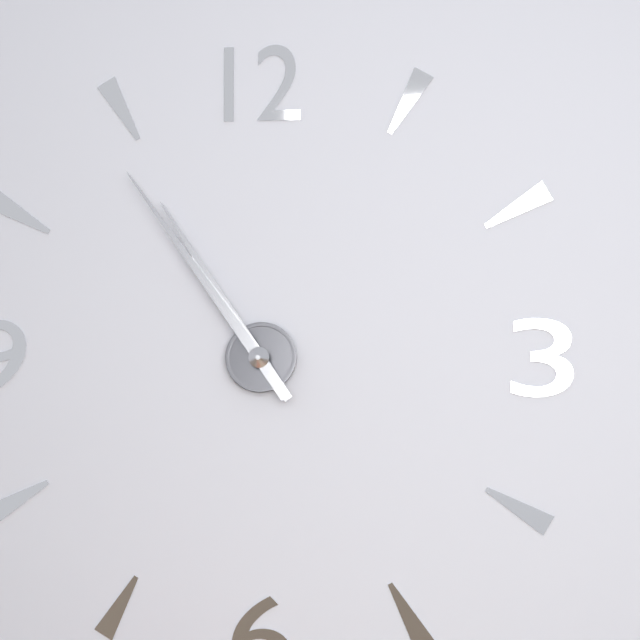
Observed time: **10:54**
